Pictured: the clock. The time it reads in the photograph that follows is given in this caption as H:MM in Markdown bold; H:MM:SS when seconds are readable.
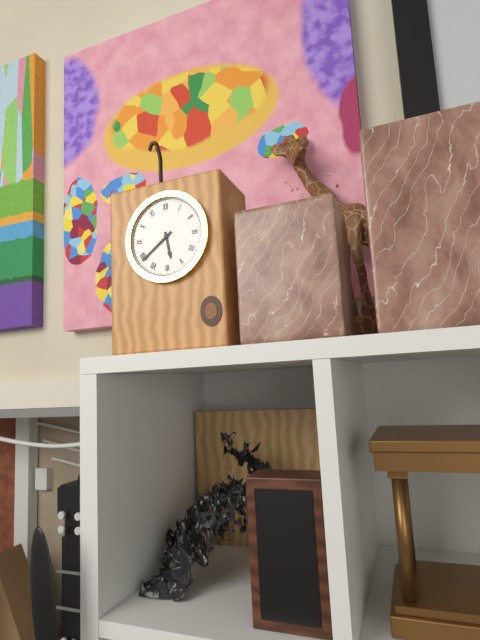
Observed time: **5:39**
